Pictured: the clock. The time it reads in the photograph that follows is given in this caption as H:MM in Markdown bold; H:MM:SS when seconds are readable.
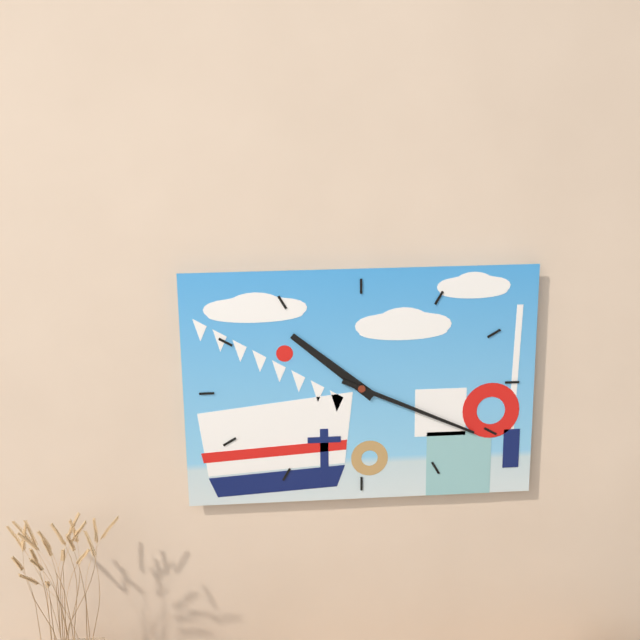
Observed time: **10:19**
